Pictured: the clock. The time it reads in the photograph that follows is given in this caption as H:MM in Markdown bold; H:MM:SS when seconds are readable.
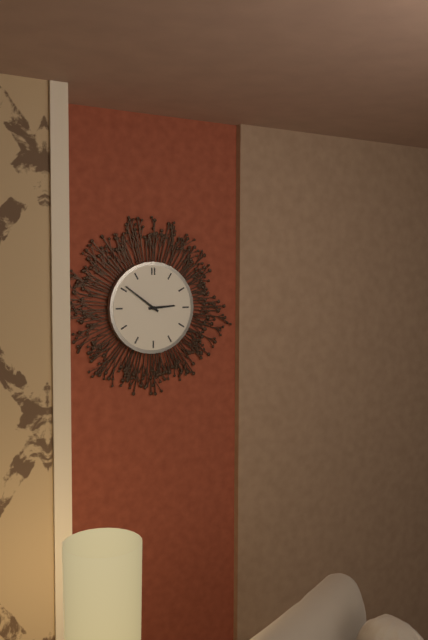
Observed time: **2:51**
